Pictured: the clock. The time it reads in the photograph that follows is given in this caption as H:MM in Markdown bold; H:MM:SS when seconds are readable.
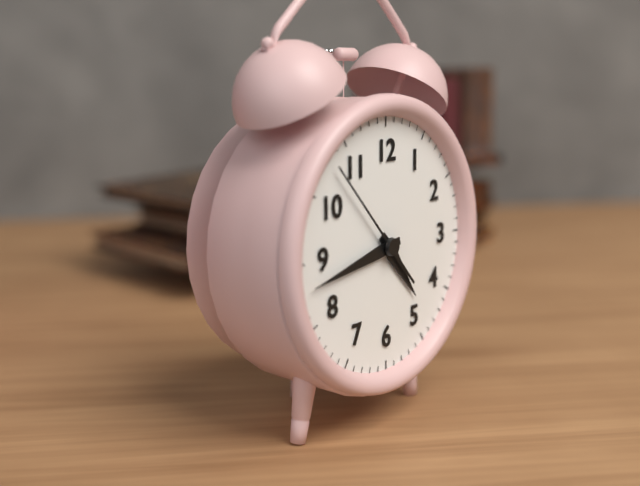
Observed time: **4:43:53**
